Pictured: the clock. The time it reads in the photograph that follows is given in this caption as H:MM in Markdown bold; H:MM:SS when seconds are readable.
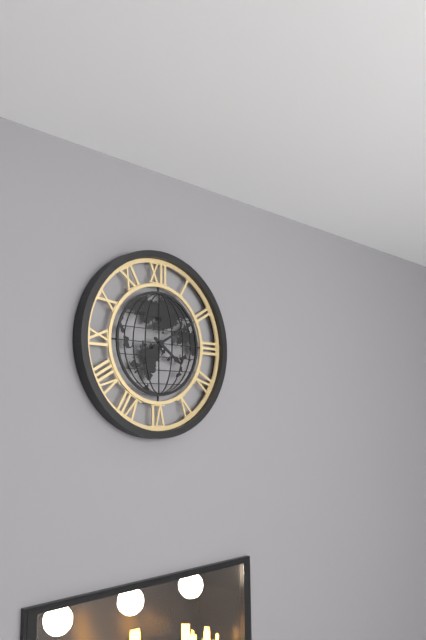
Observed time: **4:10**
